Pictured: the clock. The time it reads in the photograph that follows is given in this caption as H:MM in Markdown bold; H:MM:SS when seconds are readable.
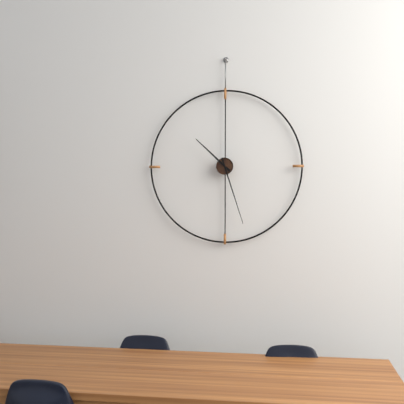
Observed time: **10:27**
